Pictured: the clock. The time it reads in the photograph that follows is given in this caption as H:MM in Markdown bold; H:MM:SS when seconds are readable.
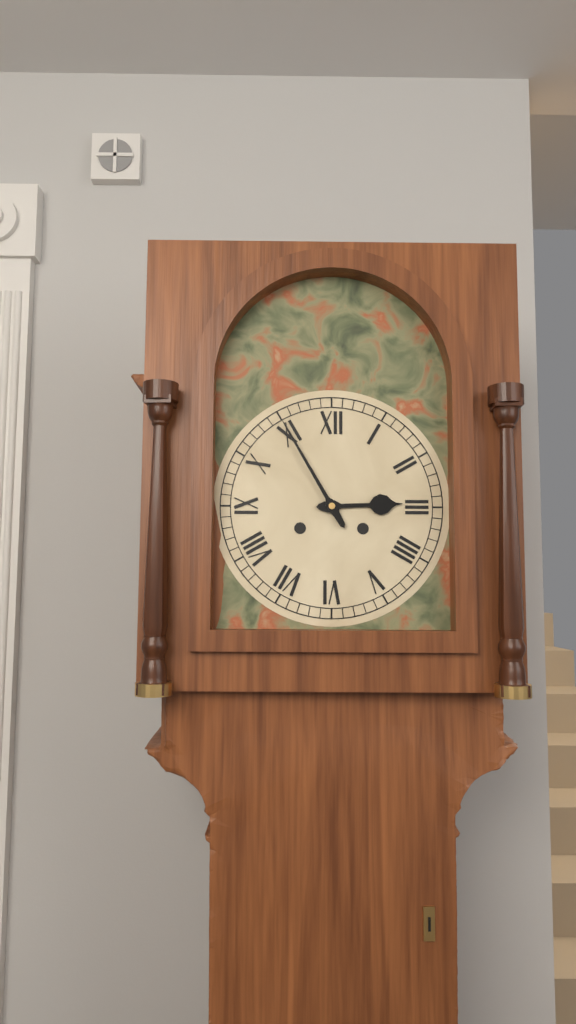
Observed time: **2:55**
